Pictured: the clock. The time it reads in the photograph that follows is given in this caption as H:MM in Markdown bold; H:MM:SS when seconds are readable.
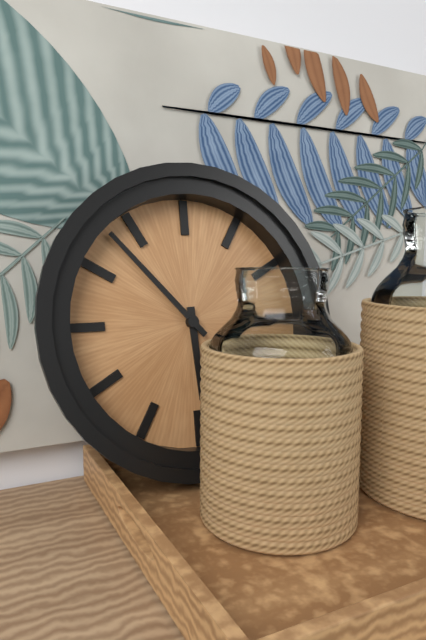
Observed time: **5:53**
